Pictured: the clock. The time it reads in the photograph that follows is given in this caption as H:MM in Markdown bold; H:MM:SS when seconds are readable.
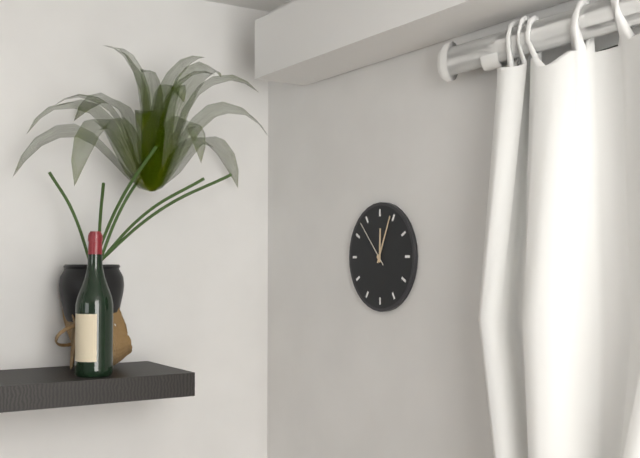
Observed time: **12:04**
